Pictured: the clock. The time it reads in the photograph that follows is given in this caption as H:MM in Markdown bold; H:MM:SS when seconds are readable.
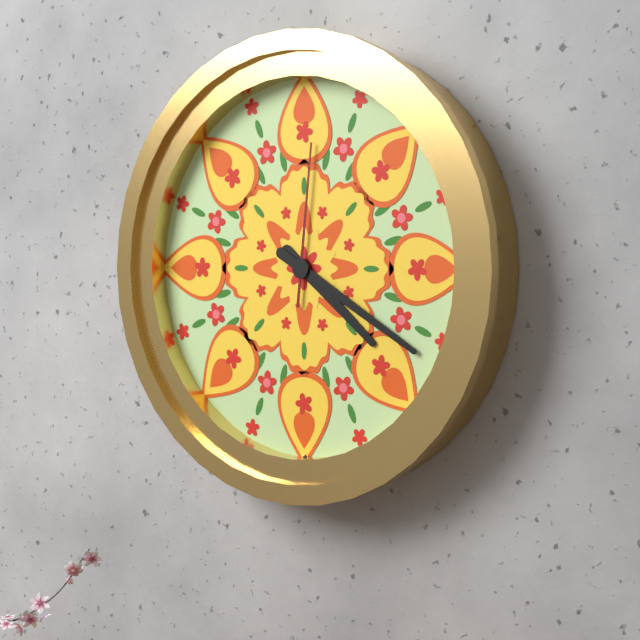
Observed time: **4:20:01**
